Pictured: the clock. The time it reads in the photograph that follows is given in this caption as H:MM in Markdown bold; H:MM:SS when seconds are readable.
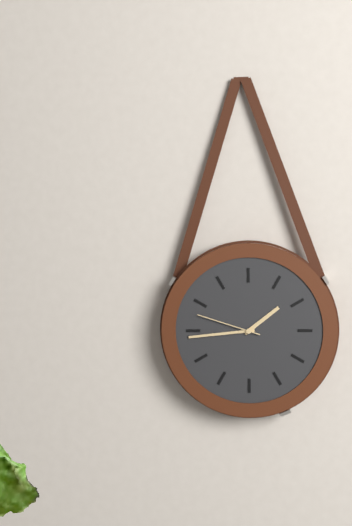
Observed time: **1:44:48**
